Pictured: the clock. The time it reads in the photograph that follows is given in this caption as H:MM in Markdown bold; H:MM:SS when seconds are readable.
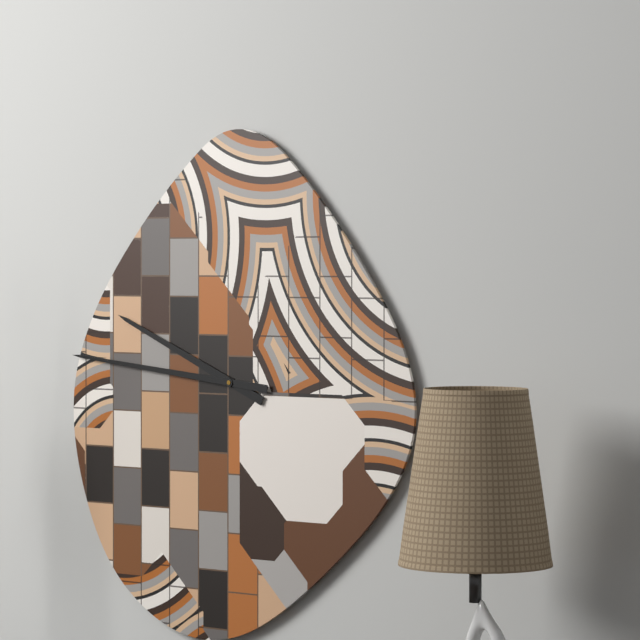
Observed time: **9:46**
